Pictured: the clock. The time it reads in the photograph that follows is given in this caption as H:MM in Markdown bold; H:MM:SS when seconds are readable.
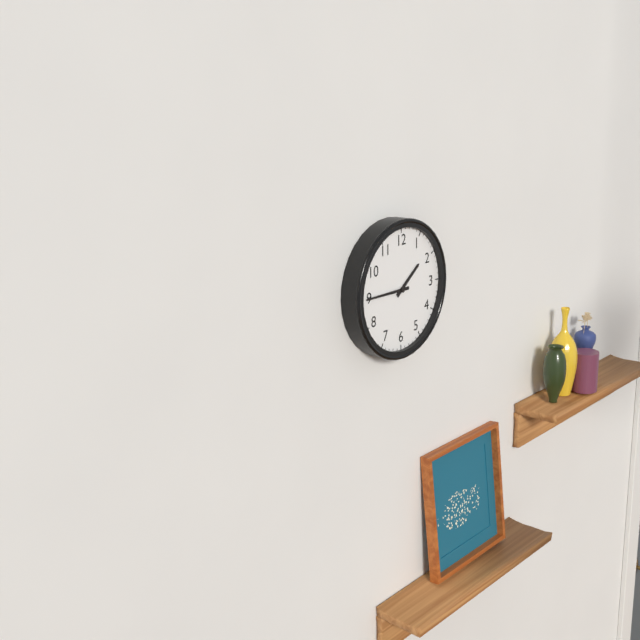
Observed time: **1:45**
